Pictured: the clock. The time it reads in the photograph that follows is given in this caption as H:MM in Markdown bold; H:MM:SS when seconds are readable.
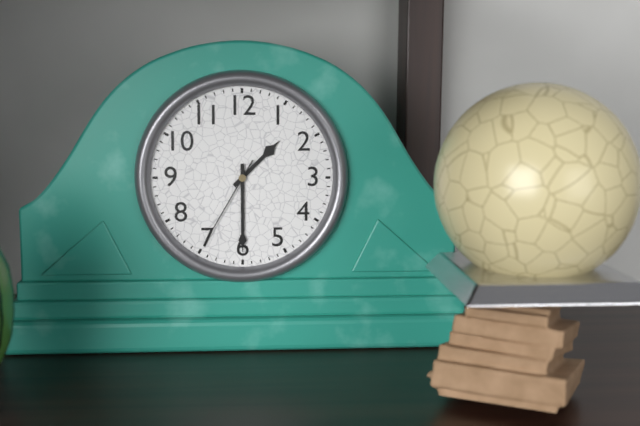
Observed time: **1:30:35**
